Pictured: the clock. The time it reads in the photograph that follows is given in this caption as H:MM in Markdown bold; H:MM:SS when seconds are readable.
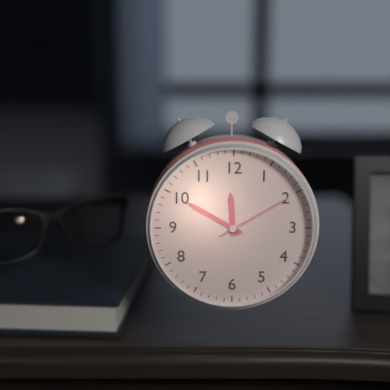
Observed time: **11:50:10**
